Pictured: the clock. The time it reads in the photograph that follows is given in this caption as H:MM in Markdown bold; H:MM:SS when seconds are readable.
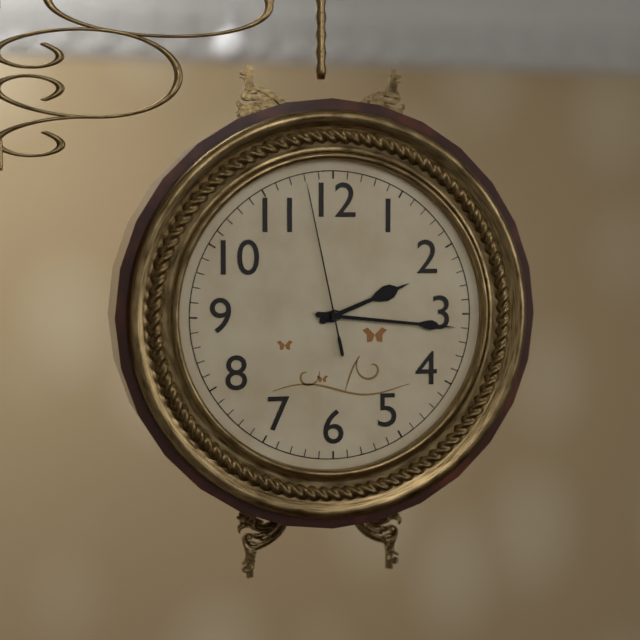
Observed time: **2:16:58**
